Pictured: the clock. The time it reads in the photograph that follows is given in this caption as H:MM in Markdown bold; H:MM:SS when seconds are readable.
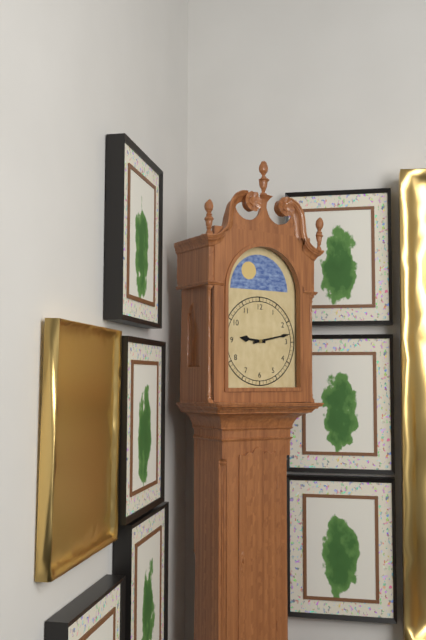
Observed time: **9:13**
